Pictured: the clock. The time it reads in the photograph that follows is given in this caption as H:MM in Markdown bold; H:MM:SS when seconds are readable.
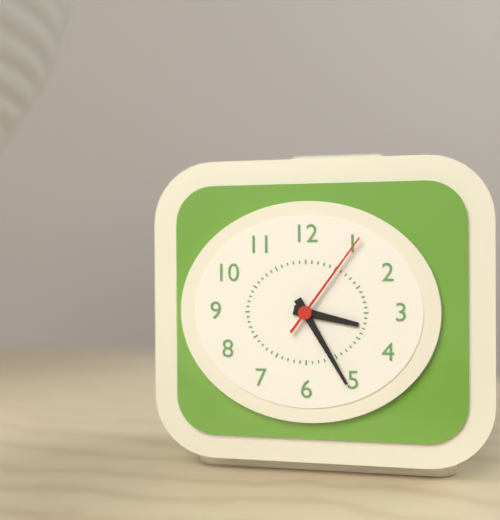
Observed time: **3:25:06**
